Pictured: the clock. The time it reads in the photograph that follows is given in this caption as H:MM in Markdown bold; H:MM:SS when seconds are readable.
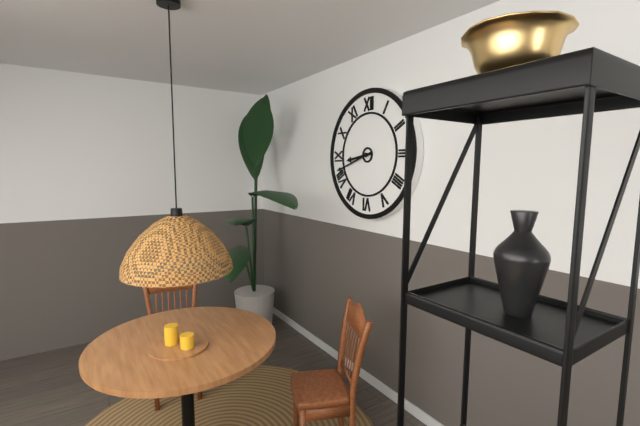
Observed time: **8:42**
